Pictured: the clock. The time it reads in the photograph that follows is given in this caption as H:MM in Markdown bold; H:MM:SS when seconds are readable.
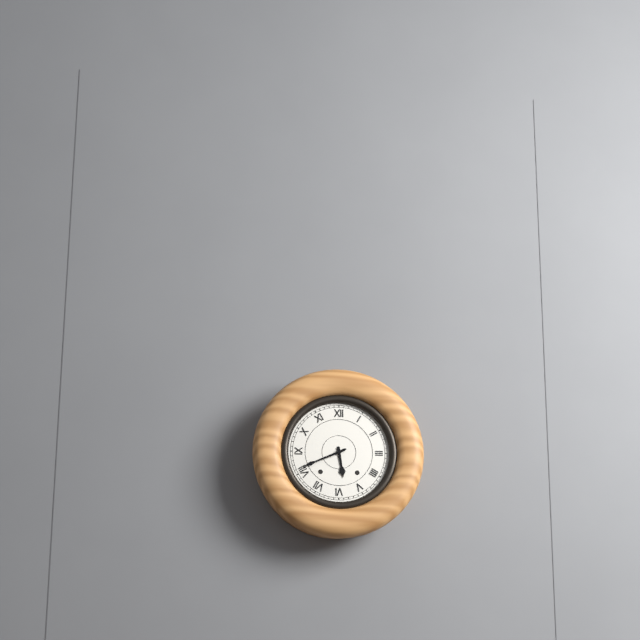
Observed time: **5:41**
